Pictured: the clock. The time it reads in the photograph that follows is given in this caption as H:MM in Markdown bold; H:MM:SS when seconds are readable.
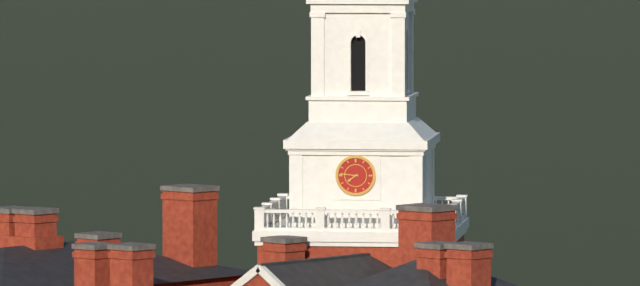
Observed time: **7:46**
